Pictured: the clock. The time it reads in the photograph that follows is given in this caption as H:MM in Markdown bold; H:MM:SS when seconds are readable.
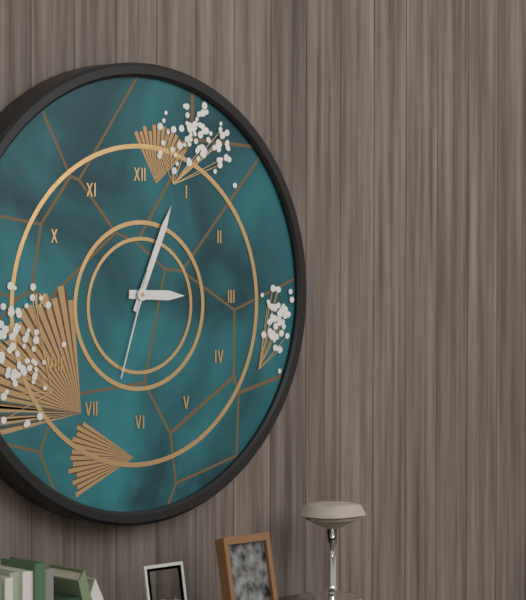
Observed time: **3:04:33**
